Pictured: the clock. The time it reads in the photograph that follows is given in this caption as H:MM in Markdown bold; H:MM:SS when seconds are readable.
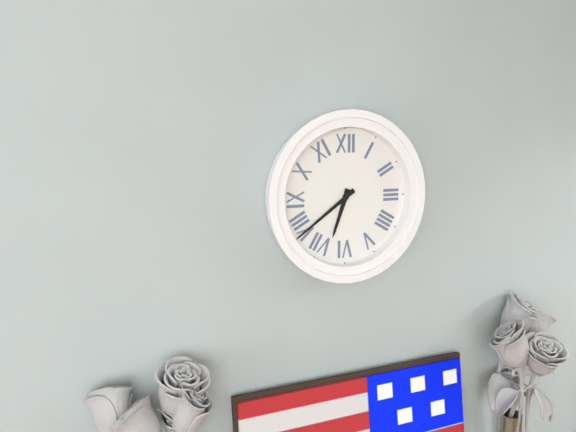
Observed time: **6:39**
